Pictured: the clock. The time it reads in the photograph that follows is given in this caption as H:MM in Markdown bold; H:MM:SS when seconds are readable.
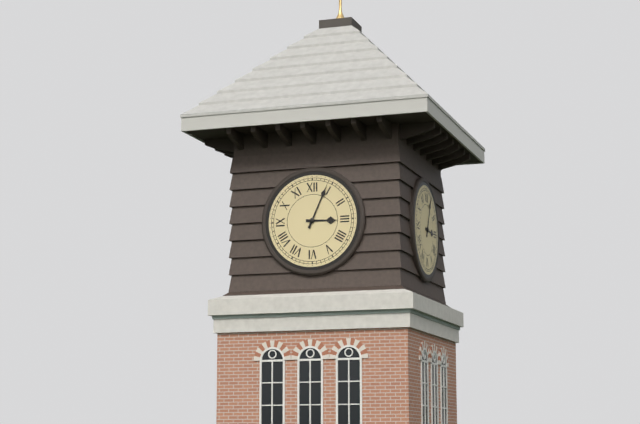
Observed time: **3:04**
